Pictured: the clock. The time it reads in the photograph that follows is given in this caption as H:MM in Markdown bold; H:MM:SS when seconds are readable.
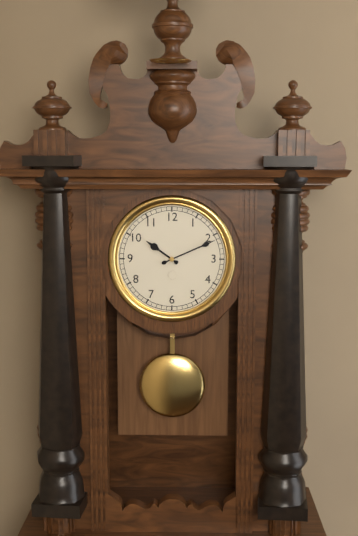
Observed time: **10:11**
